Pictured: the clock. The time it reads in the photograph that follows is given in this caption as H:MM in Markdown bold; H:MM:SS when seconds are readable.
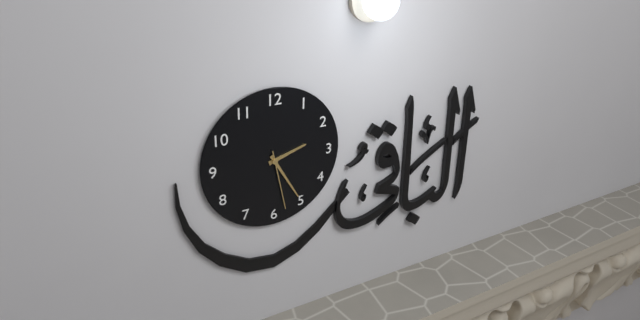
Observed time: **2:25:28**
